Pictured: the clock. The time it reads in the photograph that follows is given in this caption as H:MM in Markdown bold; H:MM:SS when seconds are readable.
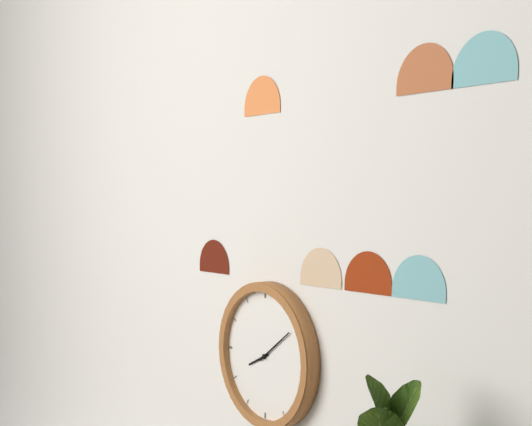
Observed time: **8:09**
